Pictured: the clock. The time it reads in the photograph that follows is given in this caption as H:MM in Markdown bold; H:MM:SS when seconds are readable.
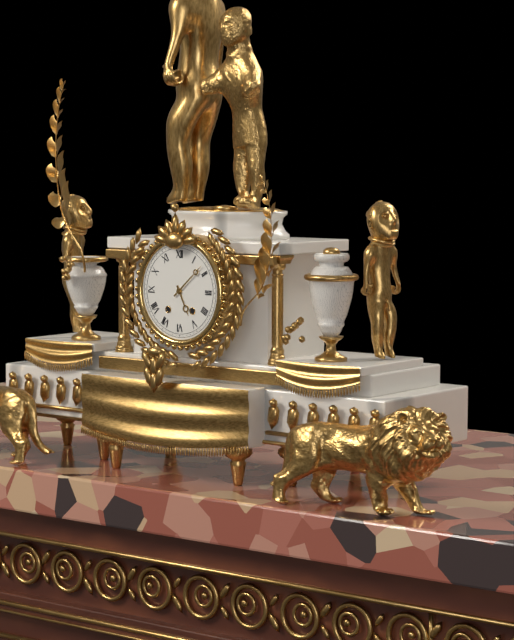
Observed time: **5:08**
